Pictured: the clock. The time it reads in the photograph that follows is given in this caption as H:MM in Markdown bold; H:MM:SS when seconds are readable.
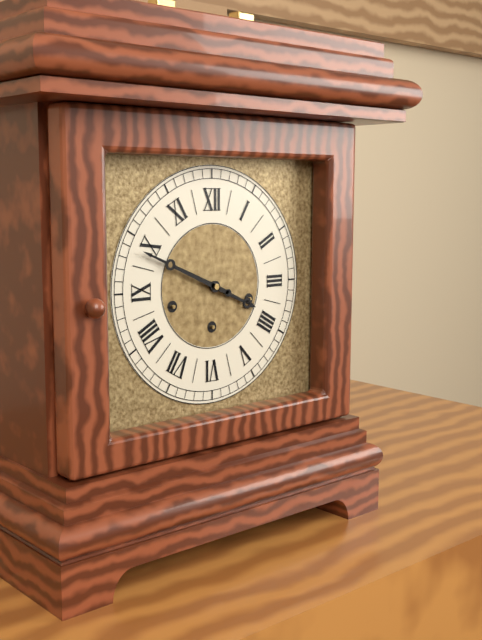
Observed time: **3:49**
